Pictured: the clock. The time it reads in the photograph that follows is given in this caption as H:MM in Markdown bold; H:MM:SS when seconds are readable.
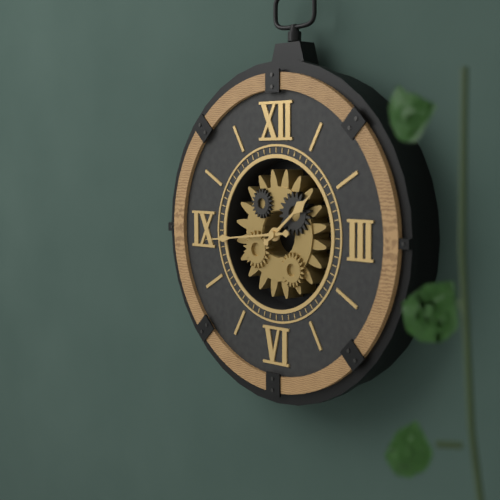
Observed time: **1:44**
